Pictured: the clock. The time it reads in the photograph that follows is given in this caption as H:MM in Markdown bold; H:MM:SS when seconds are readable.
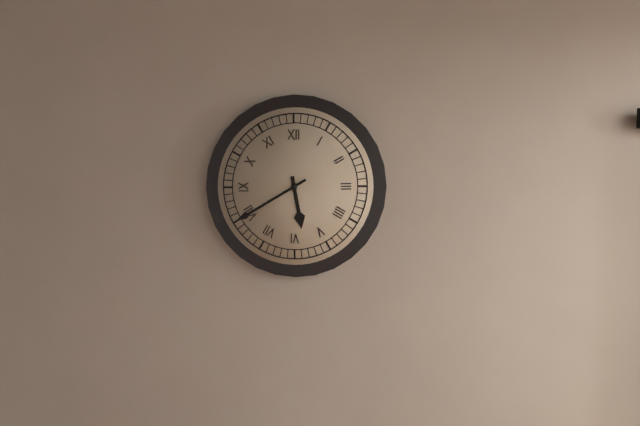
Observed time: **5:40**
